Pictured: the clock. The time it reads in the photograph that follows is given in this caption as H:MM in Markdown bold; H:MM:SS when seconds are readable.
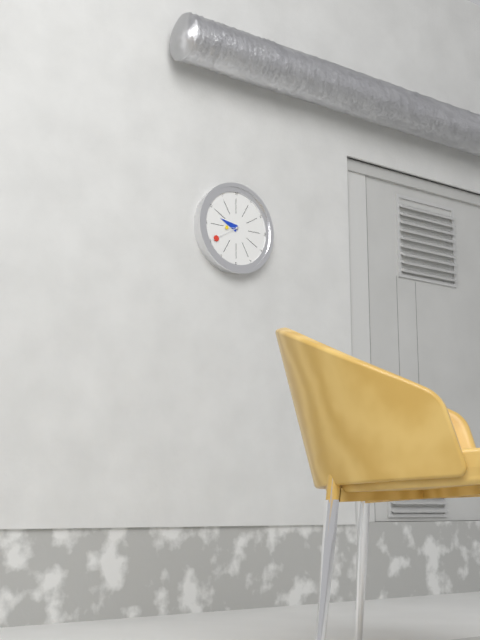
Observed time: **9:40**
